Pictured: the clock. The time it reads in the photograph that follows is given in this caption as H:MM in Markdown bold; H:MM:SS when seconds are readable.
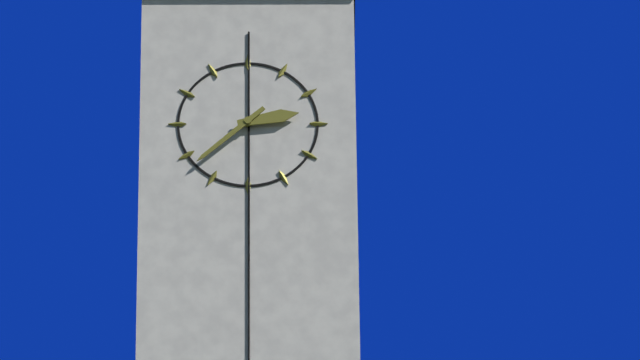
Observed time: **2:38**
